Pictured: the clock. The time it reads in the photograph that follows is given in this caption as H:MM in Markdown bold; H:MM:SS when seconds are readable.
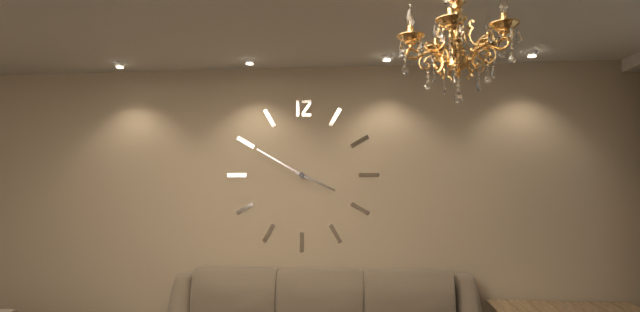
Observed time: **3:50**
